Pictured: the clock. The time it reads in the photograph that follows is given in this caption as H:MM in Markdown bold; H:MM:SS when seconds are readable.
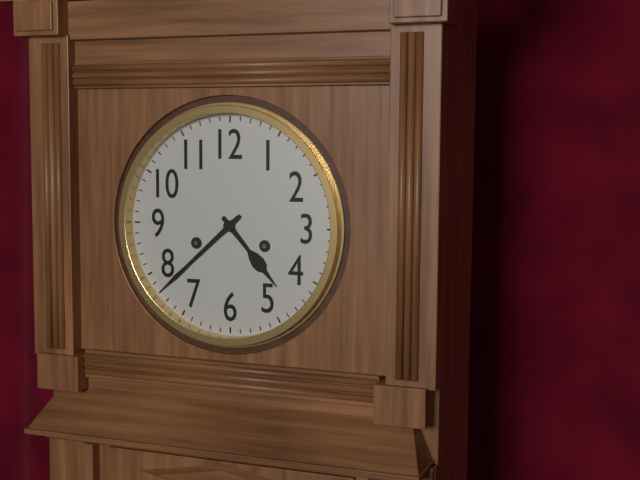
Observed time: **4:38**
